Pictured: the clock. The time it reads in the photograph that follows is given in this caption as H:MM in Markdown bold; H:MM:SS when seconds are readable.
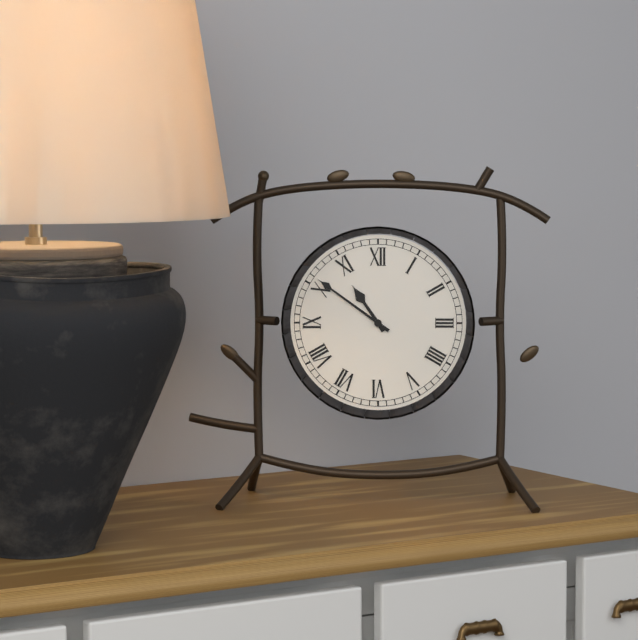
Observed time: **10:51**
